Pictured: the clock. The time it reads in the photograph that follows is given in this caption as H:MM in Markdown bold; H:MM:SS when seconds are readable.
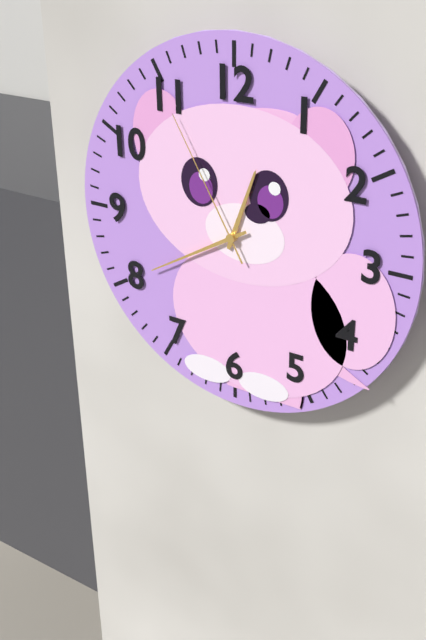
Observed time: **12:40:55**
